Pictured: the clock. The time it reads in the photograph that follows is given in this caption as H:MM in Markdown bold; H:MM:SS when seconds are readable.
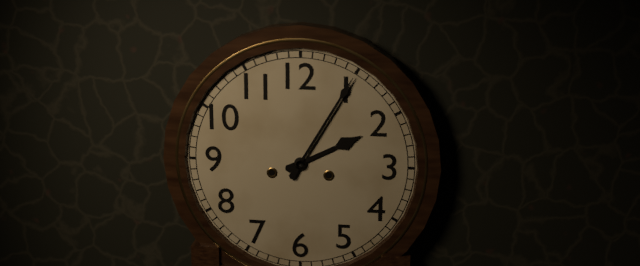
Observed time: **2:05**
